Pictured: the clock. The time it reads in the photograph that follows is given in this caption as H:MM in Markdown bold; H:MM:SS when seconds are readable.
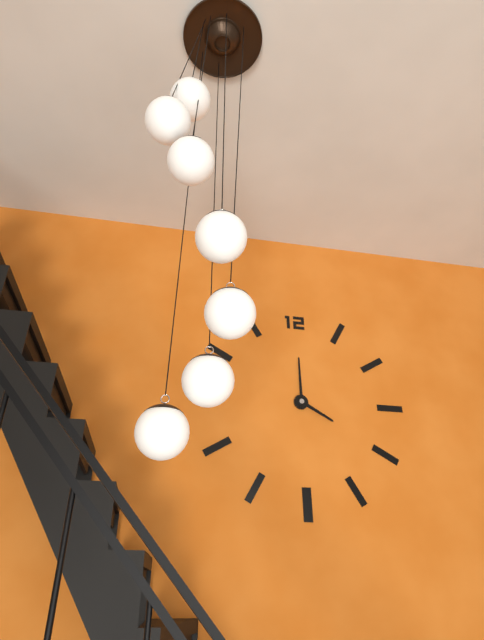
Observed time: **4:00**
